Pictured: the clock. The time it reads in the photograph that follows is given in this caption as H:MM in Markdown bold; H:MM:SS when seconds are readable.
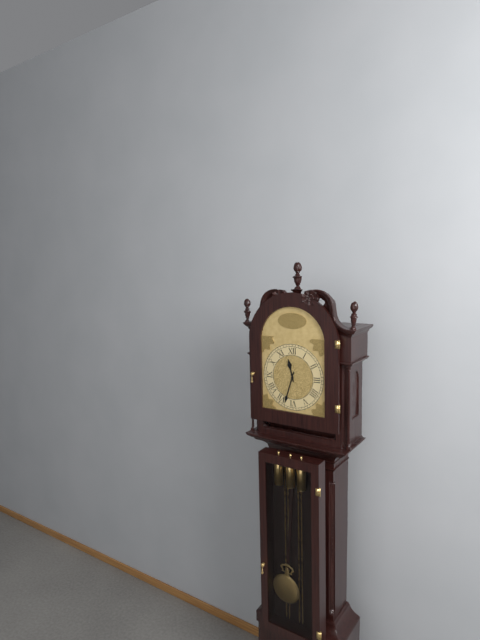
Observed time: **11:33**
